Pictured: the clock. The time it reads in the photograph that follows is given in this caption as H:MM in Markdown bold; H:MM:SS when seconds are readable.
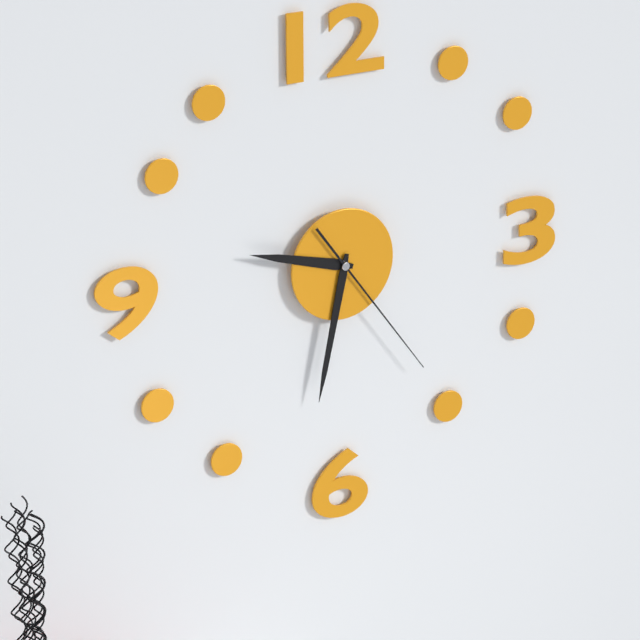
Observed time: **9:32:24**
